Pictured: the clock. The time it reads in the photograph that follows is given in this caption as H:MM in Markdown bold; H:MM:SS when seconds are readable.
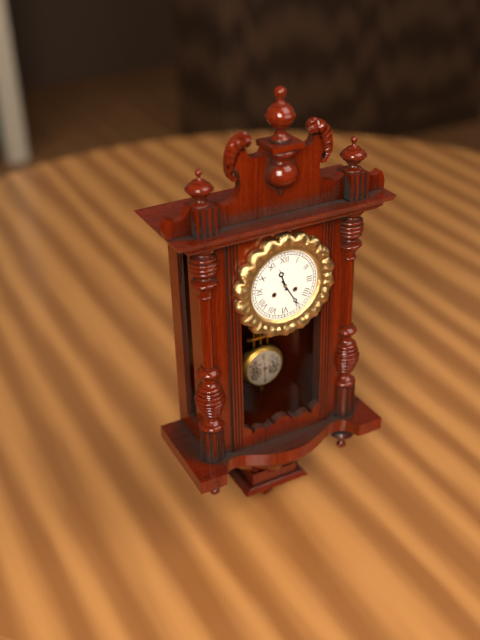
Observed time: **11:25**
